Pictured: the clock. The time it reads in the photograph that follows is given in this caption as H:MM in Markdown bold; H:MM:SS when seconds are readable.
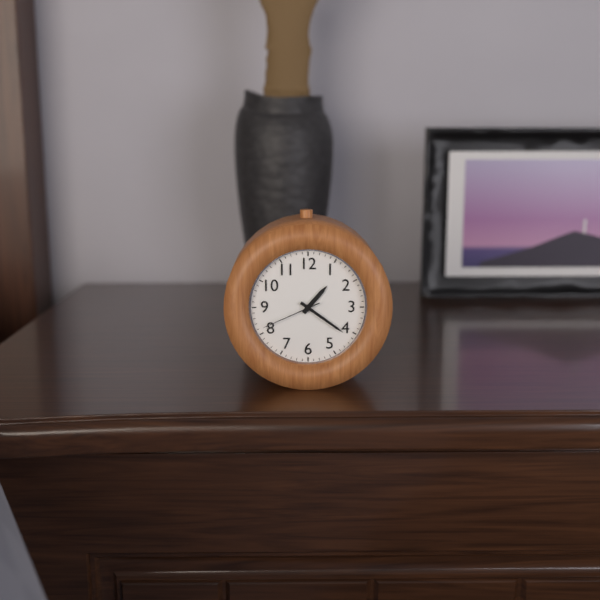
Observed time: **1:21:41**
